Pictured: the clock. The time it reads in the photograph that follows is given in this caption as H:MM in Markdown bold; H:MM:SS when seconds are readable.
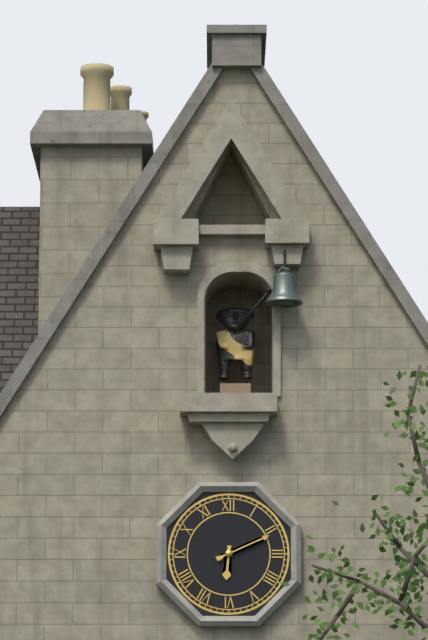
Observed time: **6:11**
